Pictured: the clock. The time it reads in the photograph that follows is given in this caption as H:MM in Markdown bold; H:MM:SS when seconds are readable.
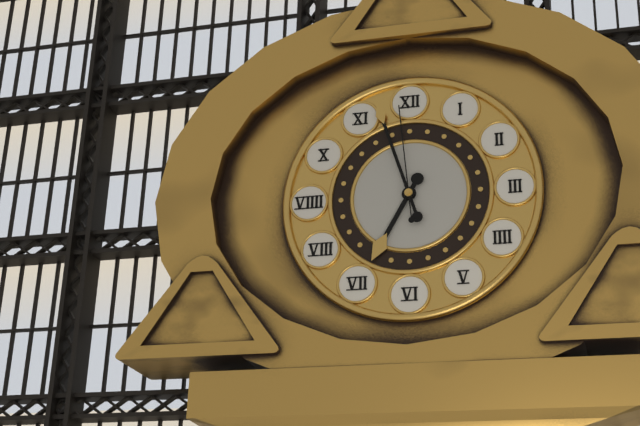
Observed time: **6:57:59**
